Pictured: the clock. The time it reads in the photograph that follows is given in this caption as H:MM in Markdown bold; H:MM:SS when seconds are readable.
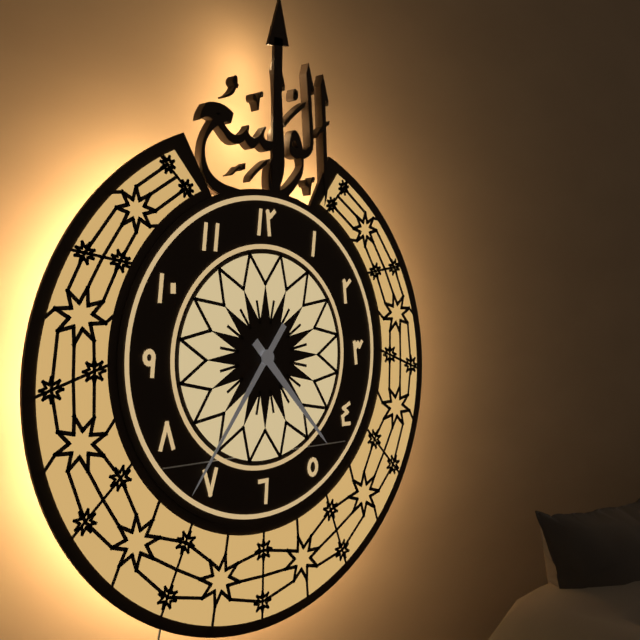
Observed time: **4:36**
